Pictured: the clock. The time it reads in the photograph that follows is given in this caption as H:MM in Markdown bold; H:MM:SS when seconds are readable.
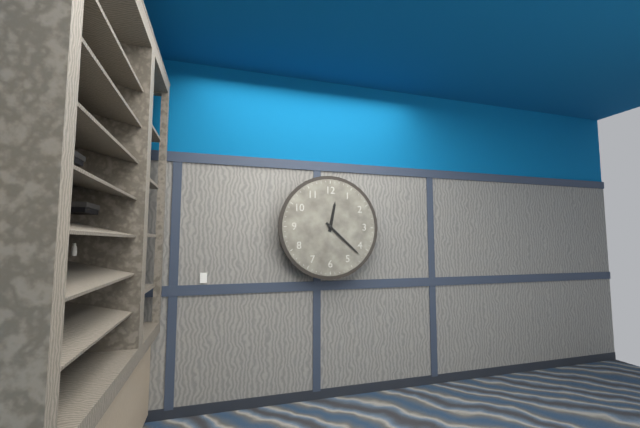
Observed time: **12:22**
